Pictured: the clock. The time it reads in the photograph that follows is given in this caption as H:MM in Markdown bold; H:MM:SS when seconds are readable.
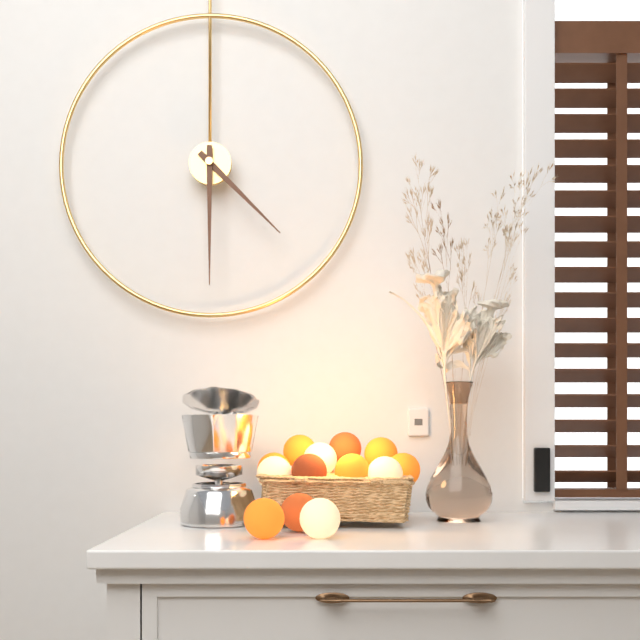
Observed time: **4:30**
